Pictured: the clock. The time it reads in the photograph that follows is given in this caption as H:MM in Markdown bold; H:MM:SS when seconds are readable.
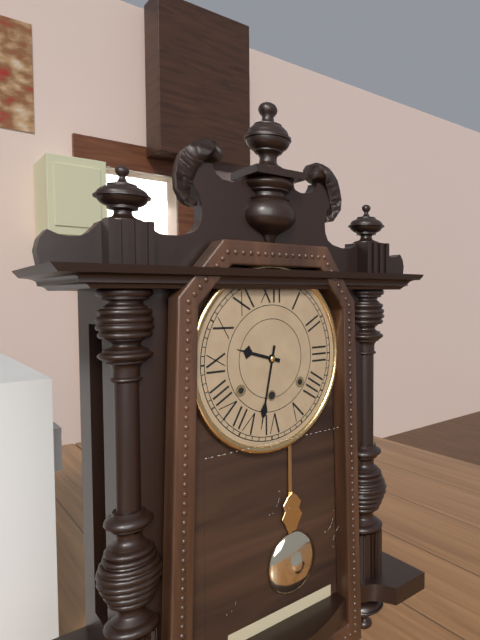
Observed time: **9:32**
